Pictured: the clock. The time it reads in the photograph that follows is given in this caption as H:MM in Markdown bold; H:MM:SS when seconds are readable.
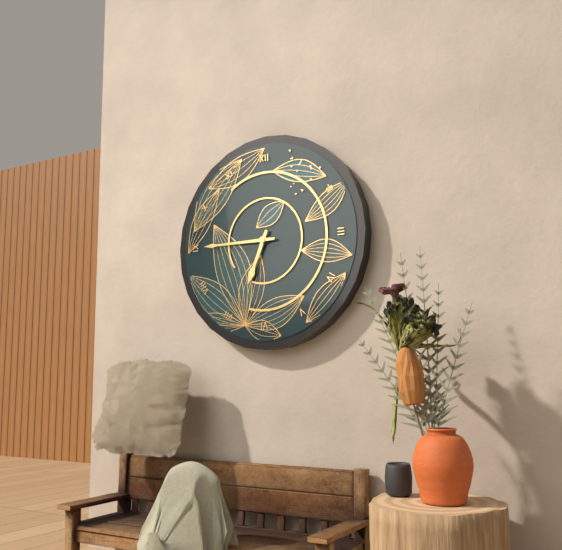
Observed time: **6:45**
